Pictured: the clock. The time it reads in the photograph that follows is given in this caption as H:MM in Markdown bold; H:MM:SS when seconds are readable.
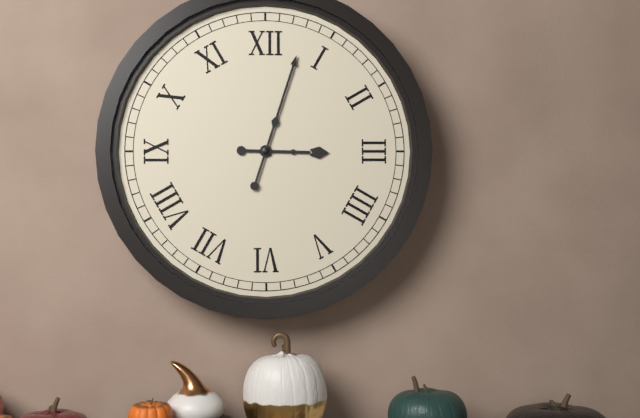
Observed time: **3:03**
